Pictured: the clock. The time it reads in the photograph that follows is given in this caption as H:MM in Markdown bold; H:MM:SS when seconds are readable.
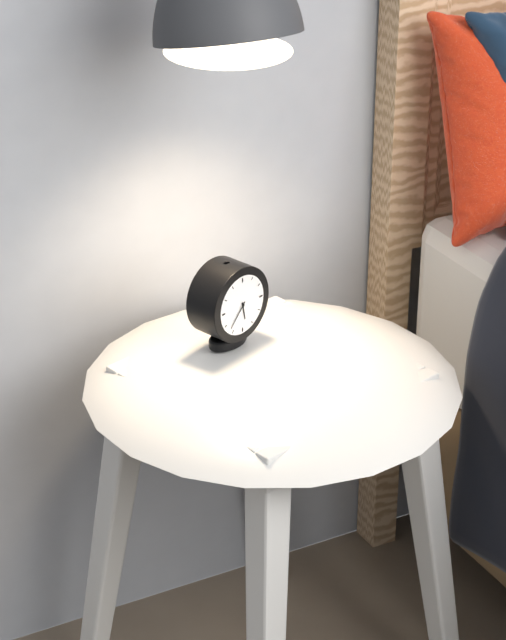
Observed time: **5:37**
